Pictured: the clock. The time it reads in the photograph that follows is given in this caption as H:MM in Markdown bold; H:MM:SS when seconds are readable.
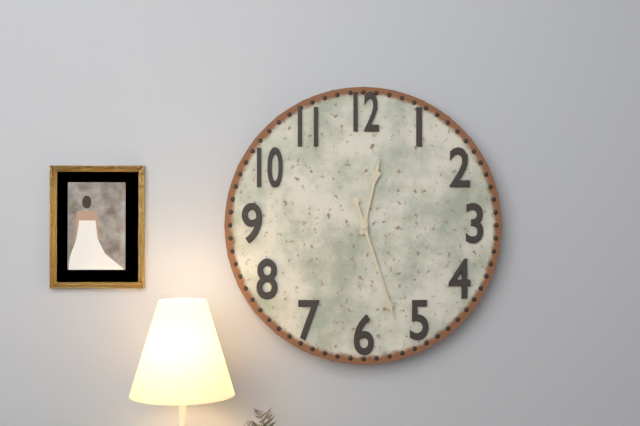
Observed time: **12:27**
